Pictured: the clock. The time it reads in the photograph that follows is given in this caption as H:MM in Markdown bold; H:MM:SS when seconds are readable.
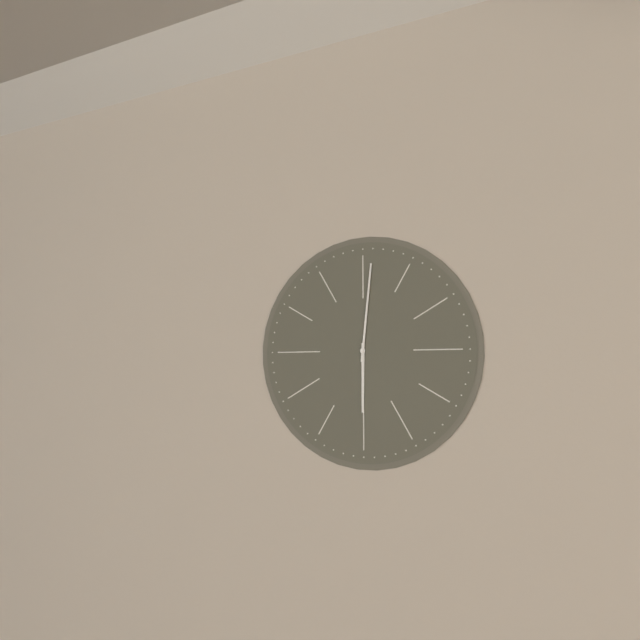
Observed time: **6:01**
